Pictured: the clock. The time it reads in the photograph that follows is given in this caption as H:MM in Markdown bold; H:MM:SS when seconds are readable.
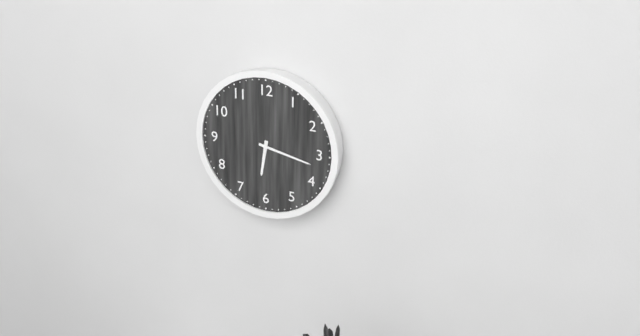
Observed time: **6:17**
